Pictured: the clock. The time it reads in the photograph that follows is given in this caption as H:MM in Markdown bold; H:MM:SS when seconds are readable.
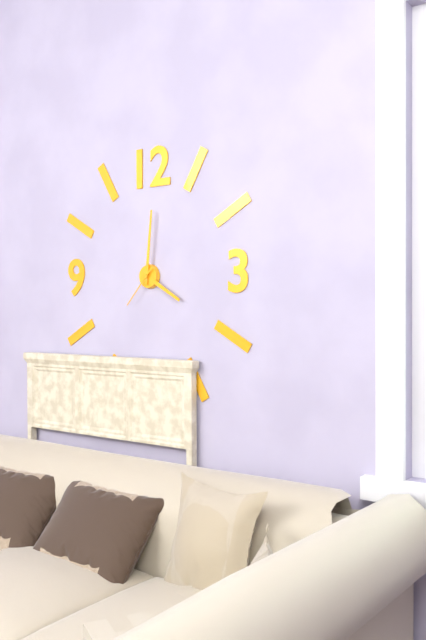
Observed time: **4:01**
